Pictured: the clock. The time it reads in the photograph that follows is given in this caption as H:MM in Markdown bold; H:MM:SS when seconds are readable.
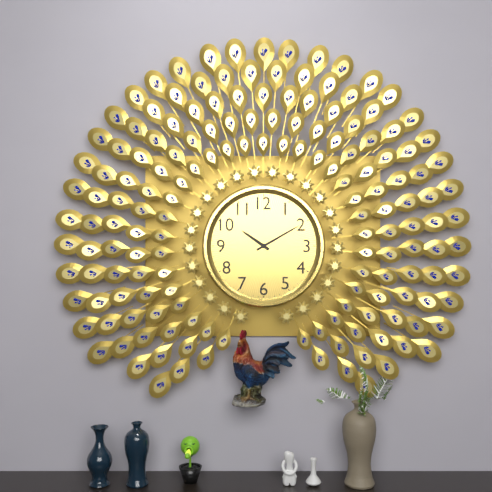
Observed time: **10:10**
